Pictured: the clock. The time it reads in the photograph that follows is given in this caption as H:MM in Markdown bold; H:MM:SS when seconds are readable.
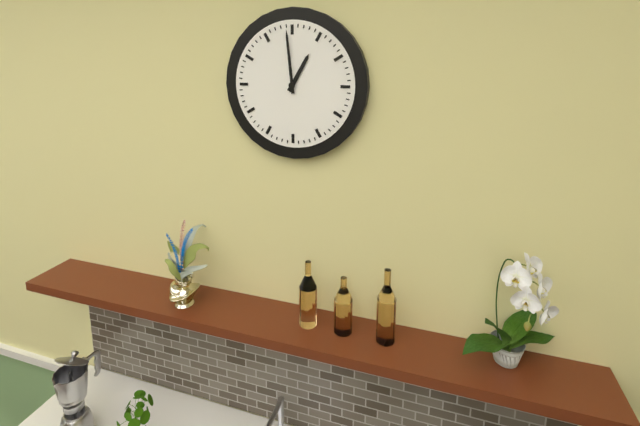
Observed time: **12:59**
